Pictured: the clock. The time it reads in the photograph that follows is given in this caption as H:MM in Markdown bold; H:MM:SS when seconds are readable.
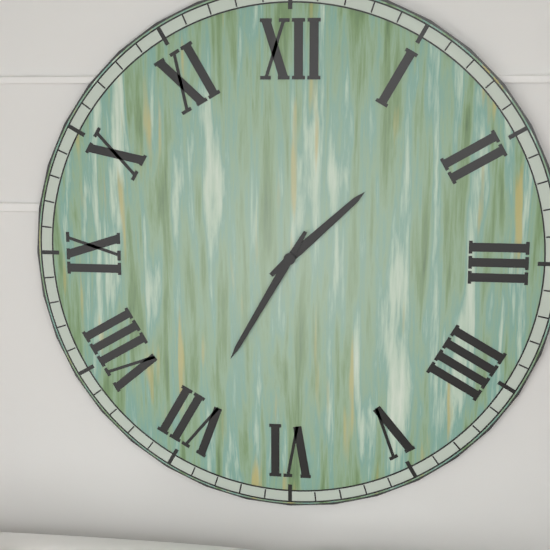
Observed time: **1:35**
